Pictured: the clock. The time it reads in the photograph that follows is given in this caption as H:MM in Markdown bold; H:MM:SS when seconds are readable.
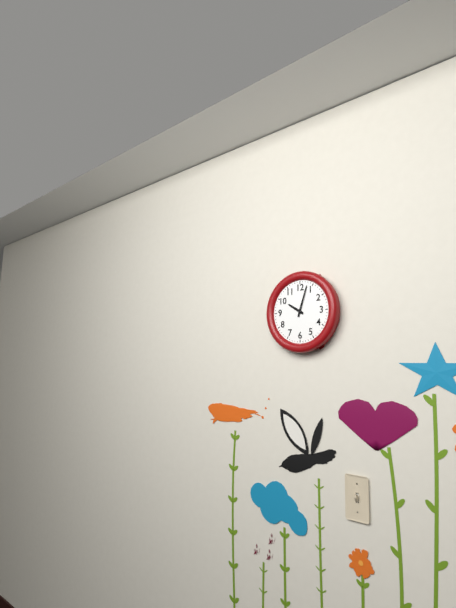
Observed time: **10:03**
